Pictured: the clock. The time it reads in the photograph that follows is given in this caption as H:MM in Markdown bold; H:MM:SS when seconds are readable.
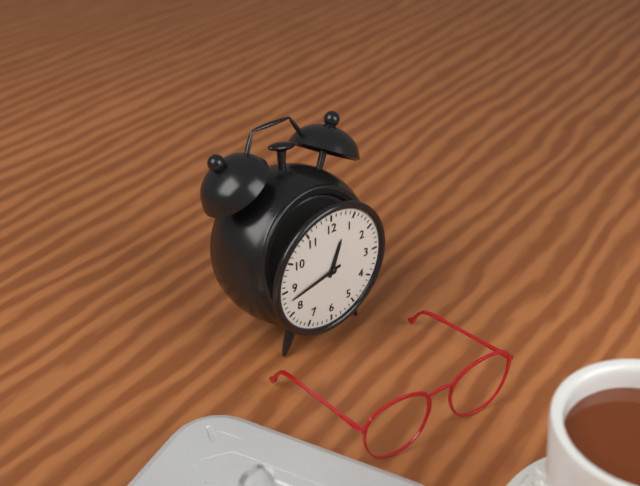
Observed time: **12:43**
